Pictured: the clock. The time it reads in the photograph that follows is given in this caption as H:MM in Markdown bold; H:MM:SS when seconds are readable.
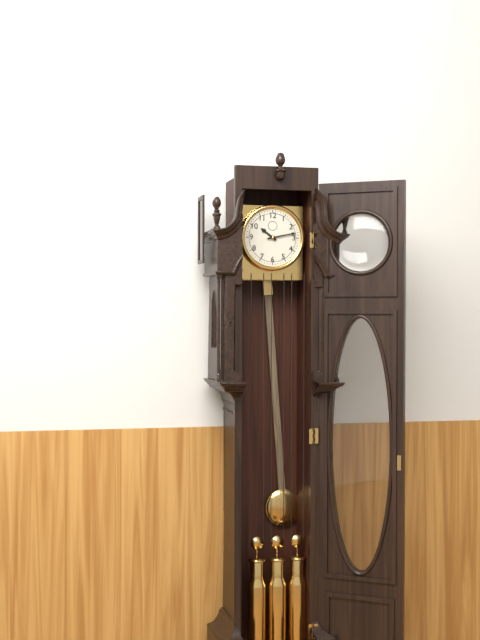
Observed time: **10:13**
